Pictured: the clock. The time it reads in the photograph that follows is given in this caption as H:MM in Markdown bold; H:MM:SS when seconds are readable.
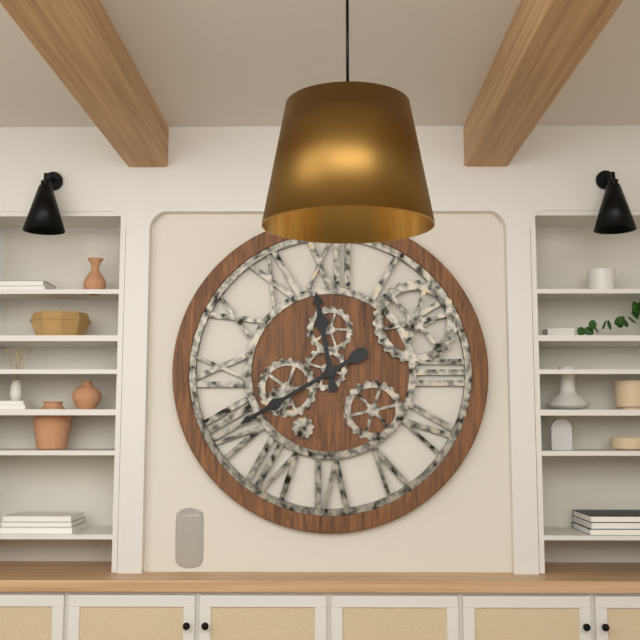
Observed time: **11:40**
